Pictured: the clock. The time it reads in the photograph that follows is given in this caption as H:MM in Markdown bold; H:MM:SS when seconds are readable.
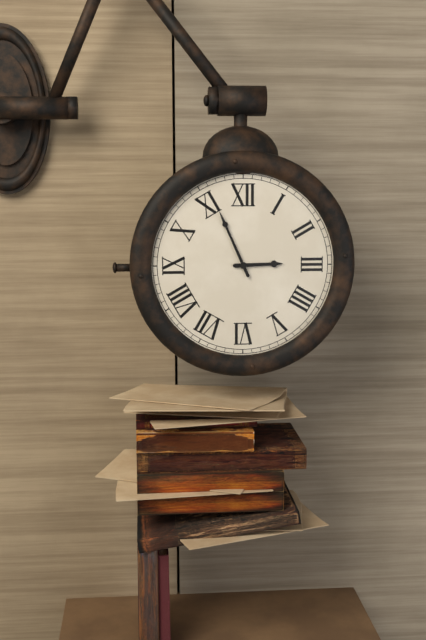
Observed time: **2:56**
